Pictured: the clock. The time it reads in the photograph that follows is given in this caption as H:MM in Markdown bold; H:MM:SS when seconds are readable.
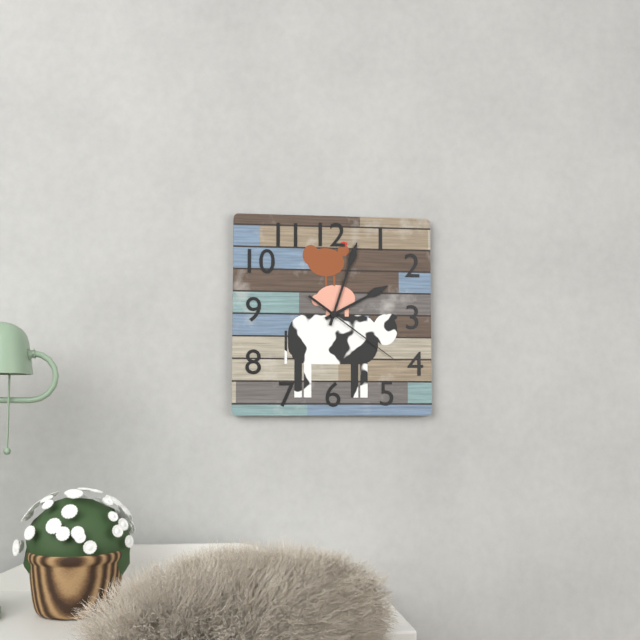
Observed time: **2:03:21**
